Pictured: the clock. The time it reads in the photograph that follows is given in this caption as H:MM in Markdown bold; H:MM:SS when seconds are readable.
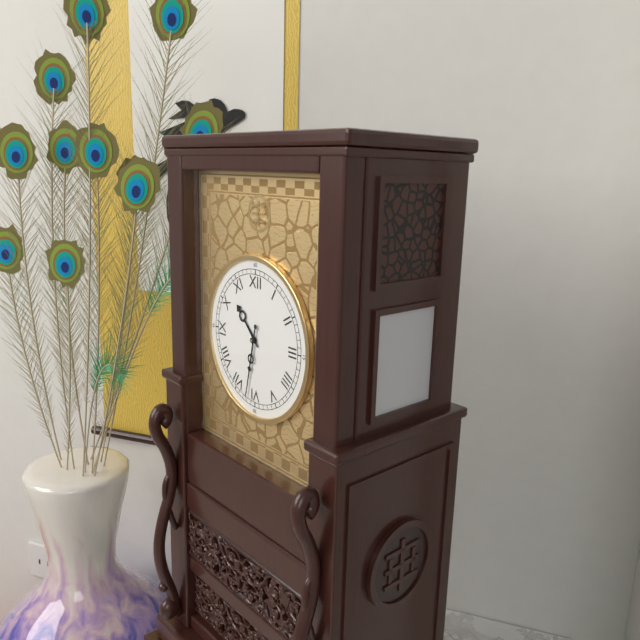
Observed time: **10:32**
